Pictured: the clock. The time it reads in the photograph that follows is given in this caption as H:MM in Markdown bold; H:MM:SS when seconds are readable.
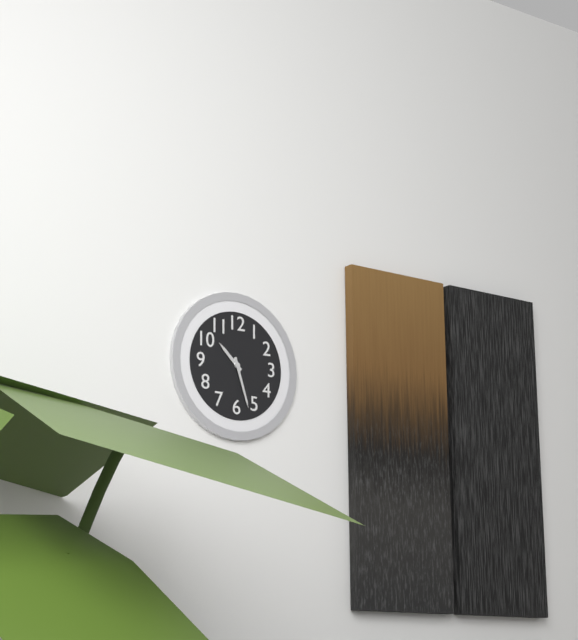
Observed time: **10:27**
